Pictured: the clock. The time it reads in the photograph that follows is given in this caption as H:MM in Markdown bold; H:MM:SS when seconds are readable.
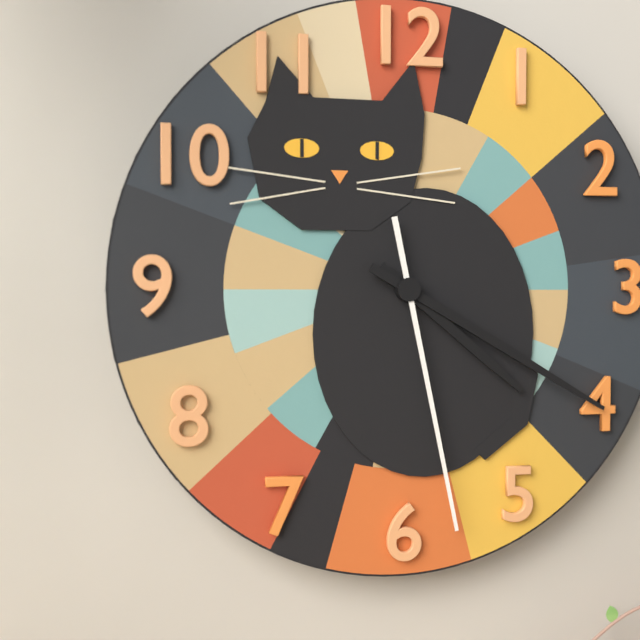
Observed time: **4:20:28**
